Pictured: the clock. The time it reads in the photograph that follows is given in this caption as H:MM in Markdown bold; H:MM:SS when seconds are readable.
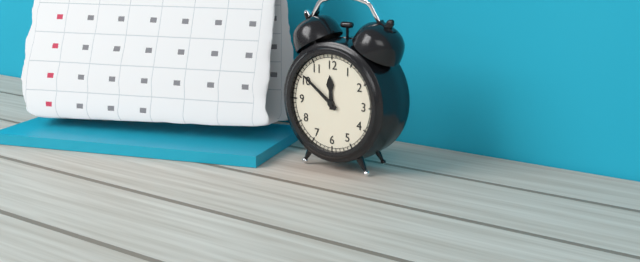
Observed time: **11:51**
